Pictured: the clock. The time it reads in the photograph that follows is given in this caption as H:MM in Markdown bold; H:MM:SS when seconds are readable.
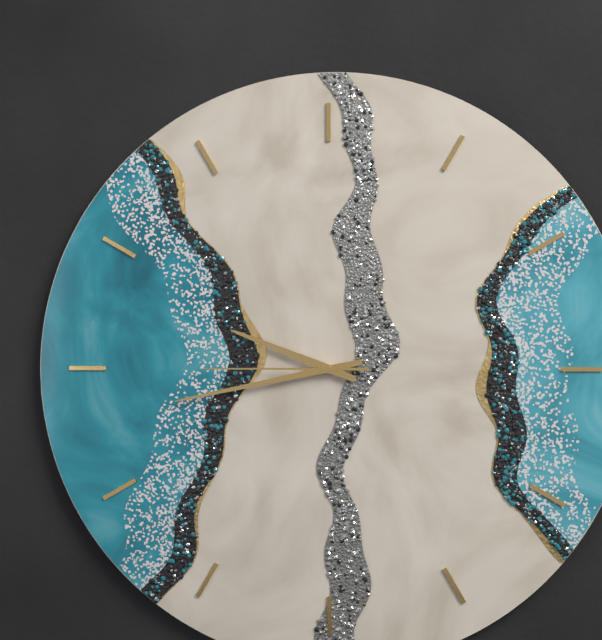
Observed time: **9:43:45**
